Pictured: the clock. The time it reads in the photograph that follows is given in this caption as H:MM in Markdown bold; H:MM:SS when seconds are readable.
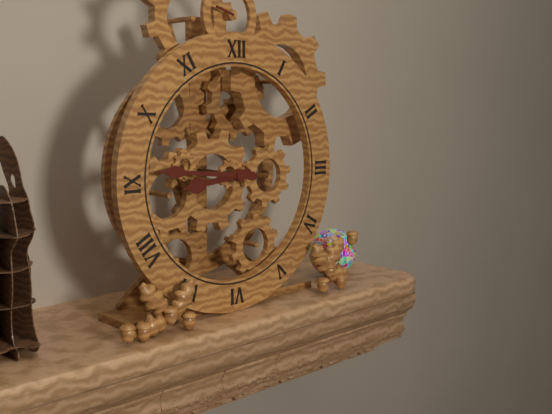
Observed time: **8:46**
